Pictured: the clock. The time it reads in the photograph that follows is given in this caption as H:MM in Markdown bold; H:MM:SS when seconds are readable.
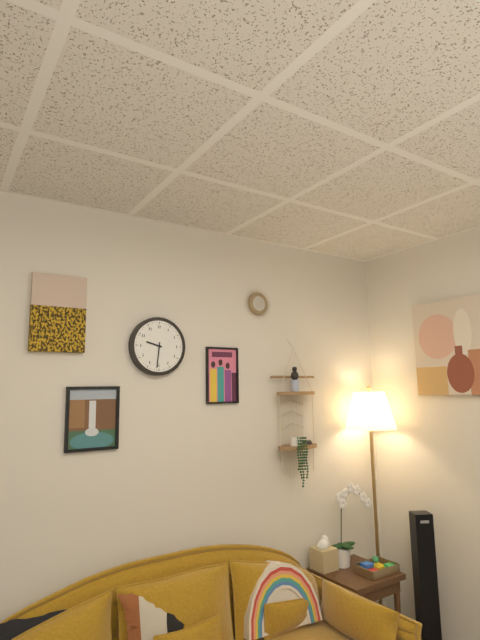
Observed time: **9:31**
